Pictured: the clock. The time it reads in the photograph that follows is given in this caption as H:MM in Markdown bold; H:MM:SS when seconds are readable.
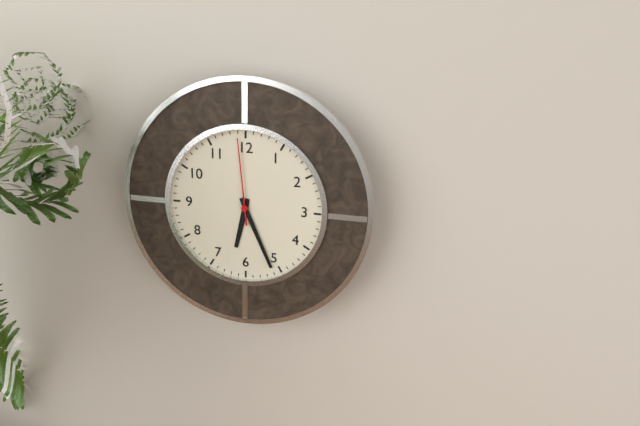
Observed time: **6:26:59**
